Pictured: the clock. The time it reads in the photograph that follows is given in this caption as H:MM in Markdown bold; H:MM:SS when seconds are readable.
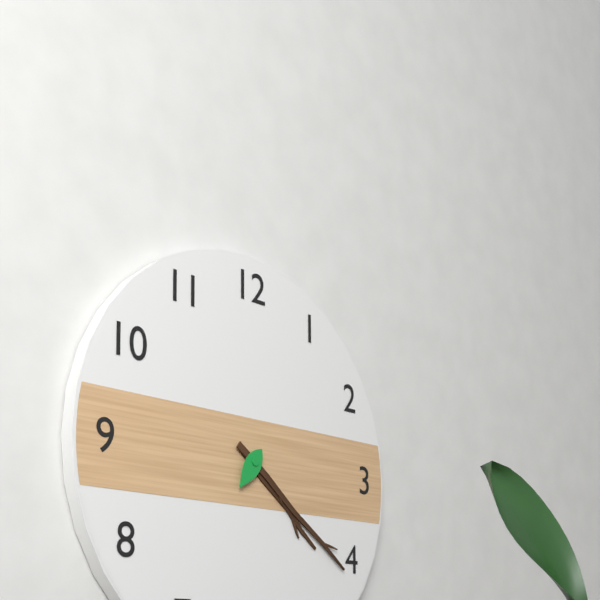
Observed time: **4:21**
